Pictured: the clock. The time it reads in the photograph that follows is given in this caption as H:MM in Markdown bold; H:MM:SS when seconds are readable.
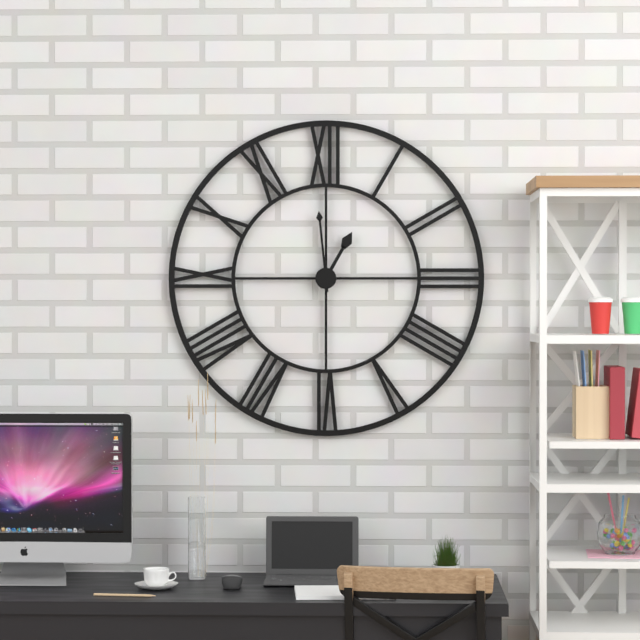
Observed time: **12:59:00**
